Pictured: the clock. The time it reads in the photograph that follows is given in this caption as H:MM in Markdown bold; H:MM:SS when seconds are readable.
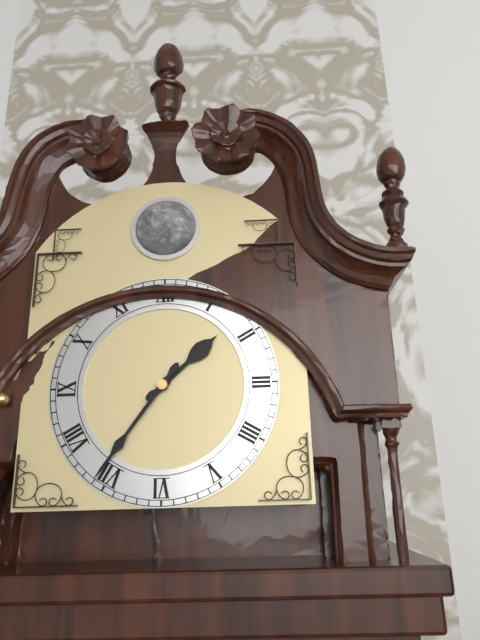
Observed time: **1:36**
